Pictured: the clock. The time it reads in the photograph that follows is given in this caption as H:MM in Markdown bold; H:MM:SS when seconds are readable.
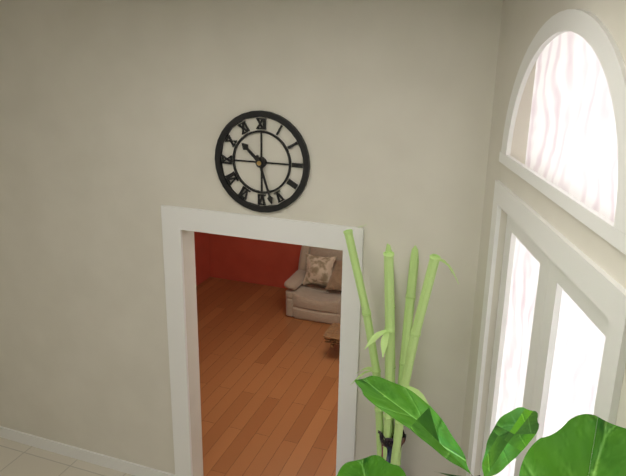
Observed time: **10:27**
